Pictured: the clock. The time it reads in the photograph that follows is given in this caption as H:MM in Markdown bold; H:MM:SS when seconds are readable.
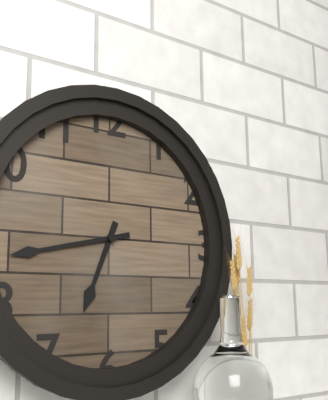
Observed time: **6:43**
